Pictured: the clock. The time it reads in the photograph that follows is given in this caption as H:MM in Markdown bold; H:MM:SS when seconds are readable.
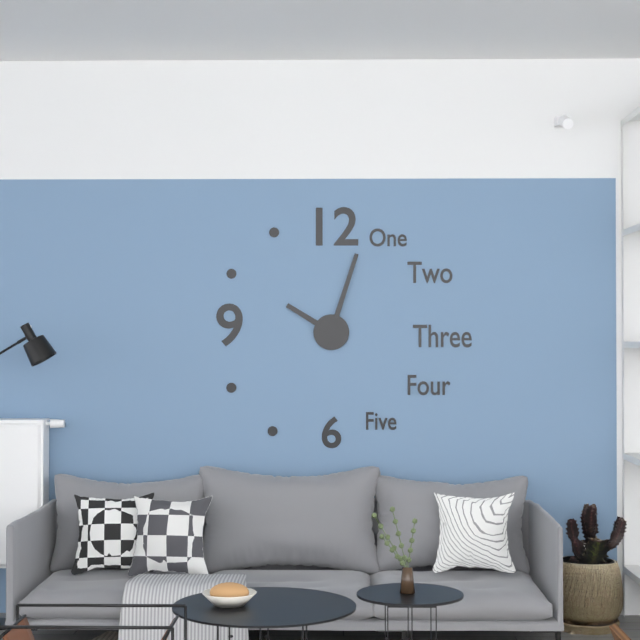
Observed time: **10:03**
